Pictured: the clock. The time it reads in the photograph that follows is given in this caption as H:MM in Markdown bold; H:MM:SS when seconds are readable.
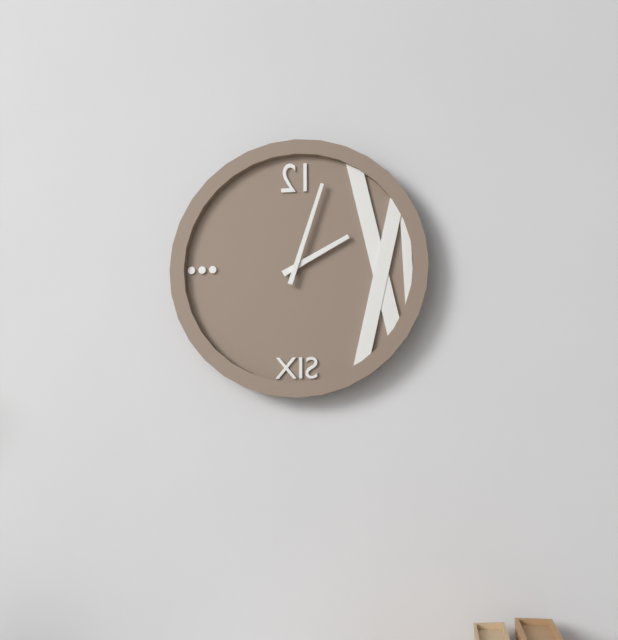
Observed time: **2:03**
